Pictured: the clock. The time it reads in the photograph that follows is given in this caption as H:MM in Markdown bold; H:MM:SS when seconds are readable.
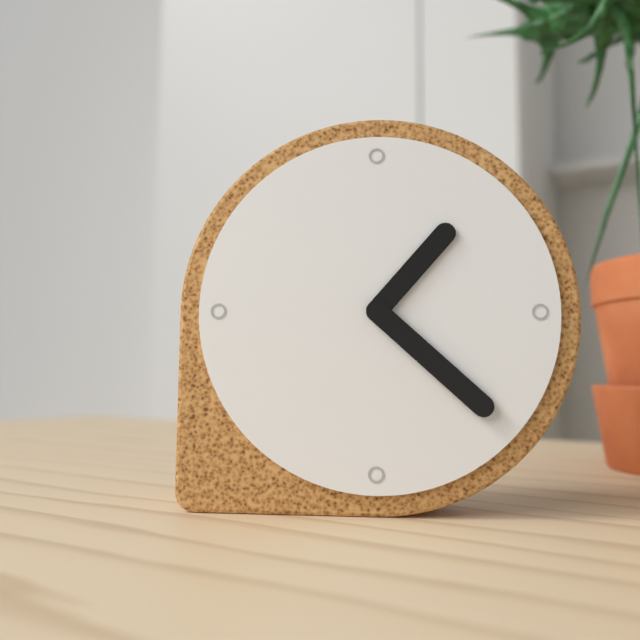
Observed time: **1:22**
